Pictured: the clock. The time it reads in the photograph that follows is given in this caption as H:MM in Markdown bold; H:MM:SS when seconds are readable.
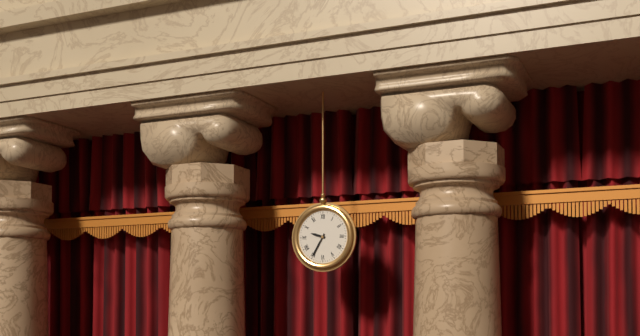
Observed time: **9:35**
